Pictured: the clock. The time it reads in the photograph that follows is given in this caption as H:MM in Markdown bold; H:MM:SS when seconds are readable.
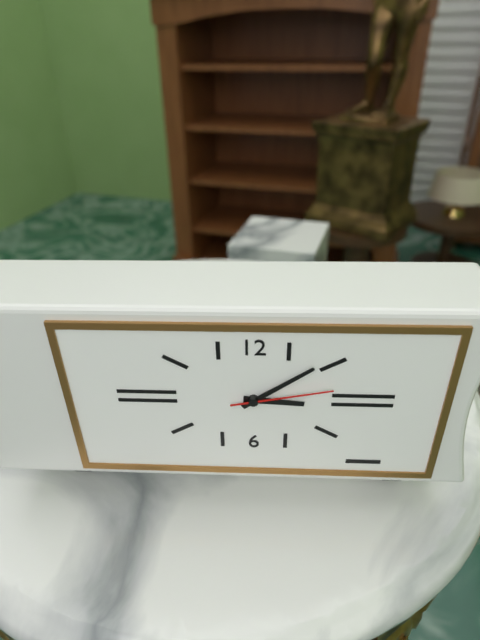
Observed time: **3:09:13**
